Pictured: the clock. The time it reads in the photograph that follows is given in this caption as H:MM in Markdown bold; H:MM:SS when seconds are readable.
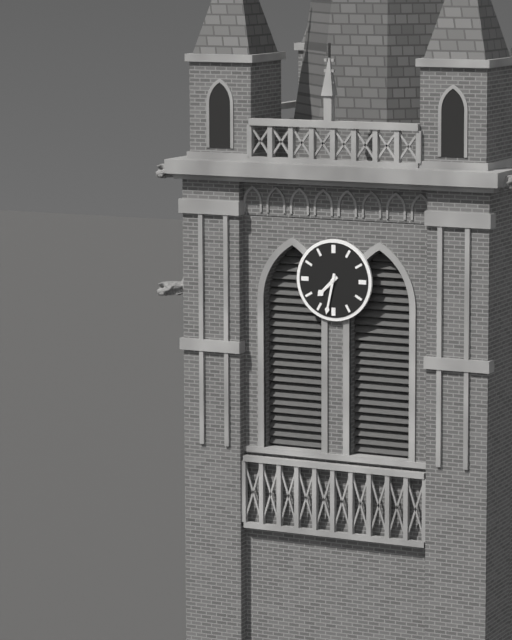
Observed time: **7:32**
